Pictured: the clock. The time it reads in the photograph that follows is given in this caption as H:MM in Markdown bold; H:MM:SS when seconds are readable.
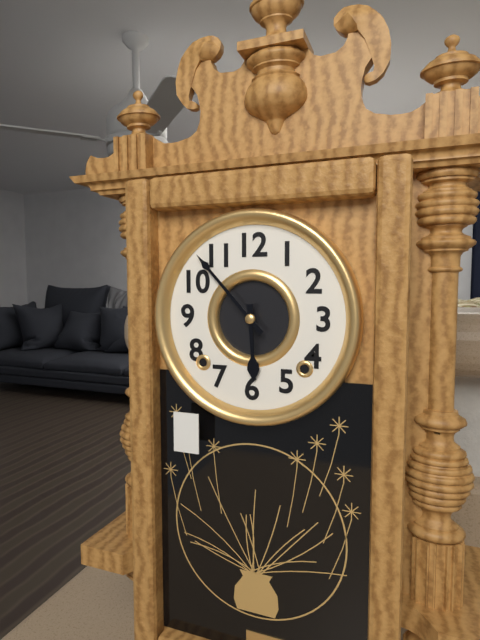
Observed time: **5:53**
